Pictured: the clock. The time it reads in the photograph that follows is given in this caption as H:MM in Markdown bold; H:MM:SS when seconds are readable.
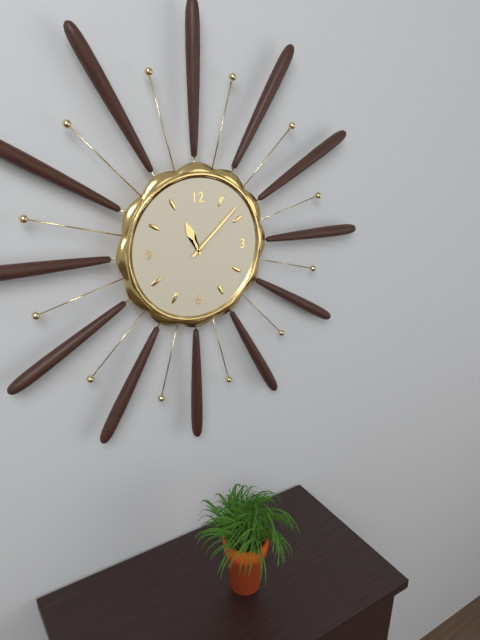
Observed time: **11:08**
